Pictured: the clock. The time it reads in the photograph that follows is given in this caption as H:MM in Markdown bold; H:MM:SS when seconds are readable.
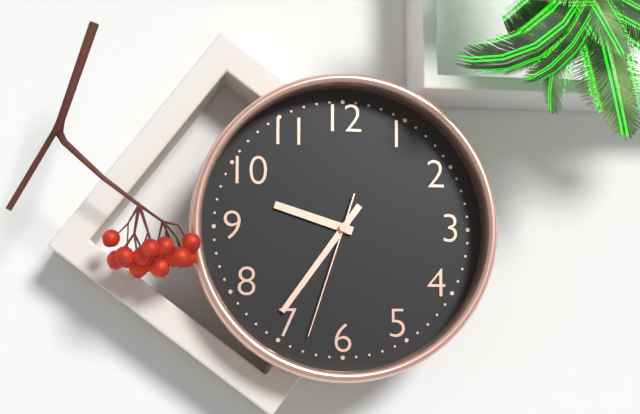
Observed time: **9:36:33**
